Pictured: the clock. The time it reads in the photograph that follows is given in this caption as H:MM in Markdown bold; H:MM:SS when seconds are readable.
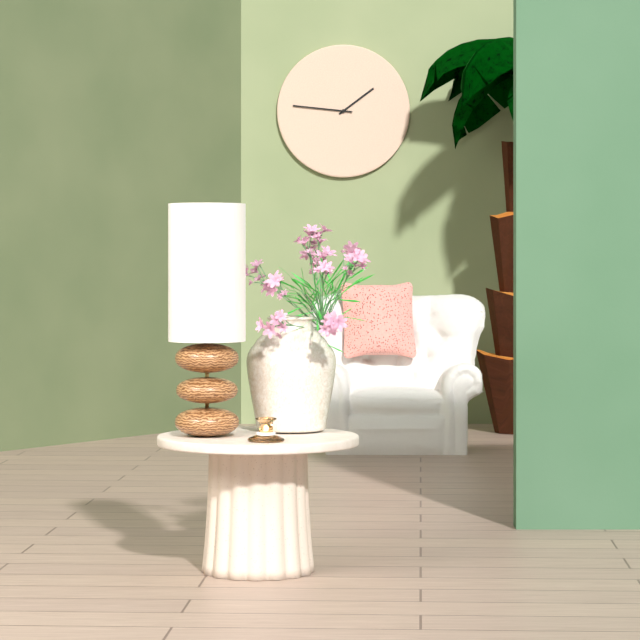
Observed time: **1:46**
